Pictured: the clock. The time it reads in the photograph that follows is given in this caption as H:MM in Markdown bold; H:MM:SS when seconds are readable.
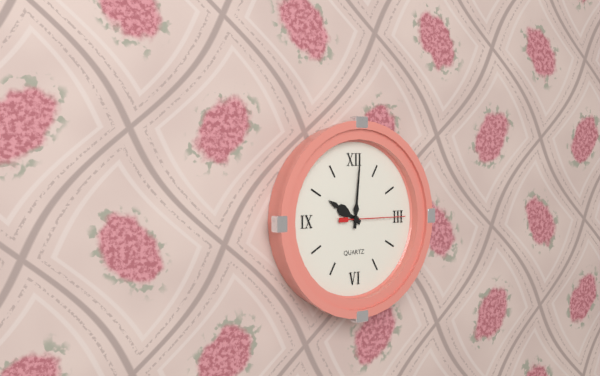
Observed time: **10:01:15**
